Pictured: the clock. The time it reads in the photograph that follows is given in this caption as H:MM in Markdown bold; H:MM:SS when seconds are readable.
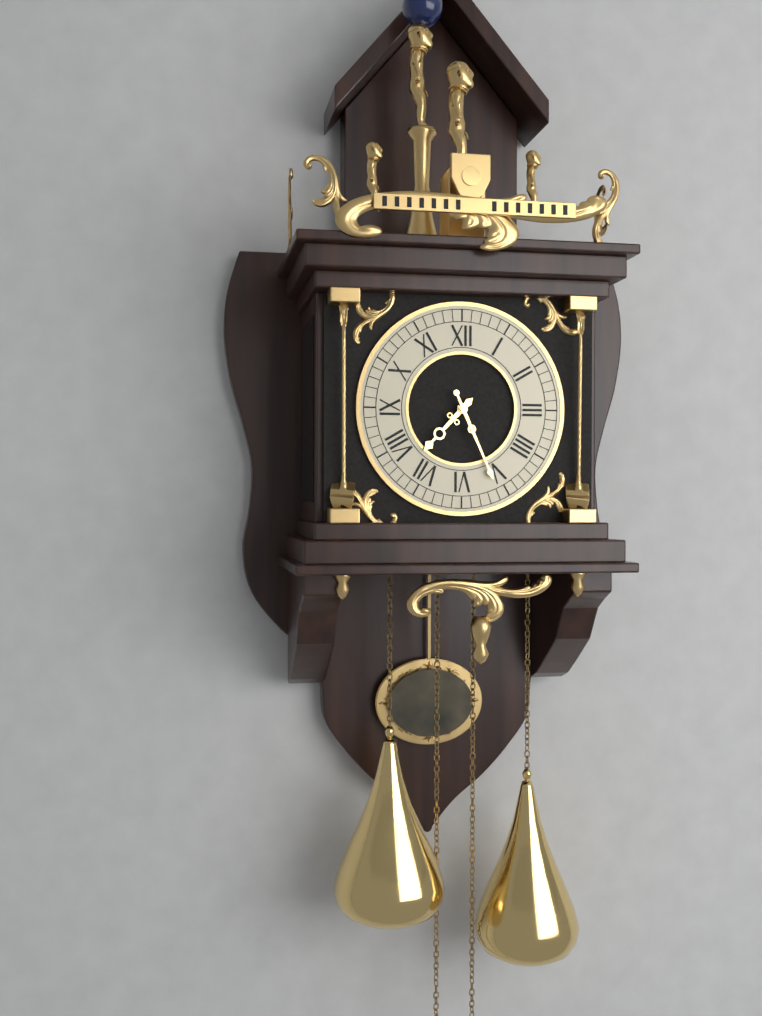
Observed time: **7:26**
